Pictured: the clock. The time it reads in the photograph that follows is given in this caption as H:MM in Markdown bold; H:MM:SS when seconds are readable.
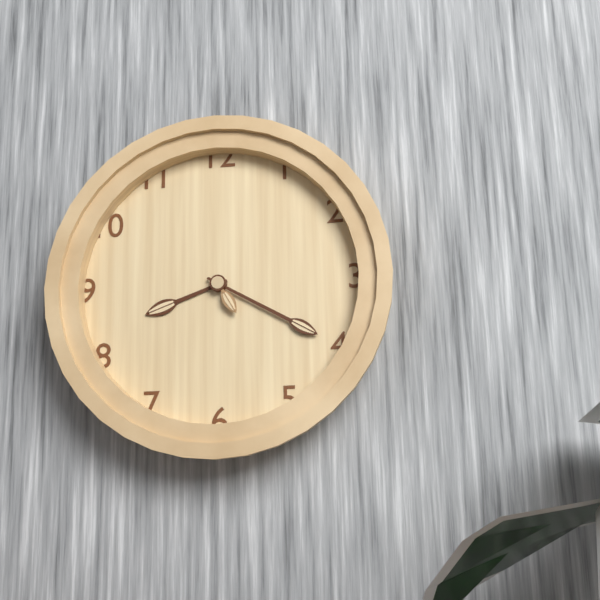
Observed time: **8:20**
